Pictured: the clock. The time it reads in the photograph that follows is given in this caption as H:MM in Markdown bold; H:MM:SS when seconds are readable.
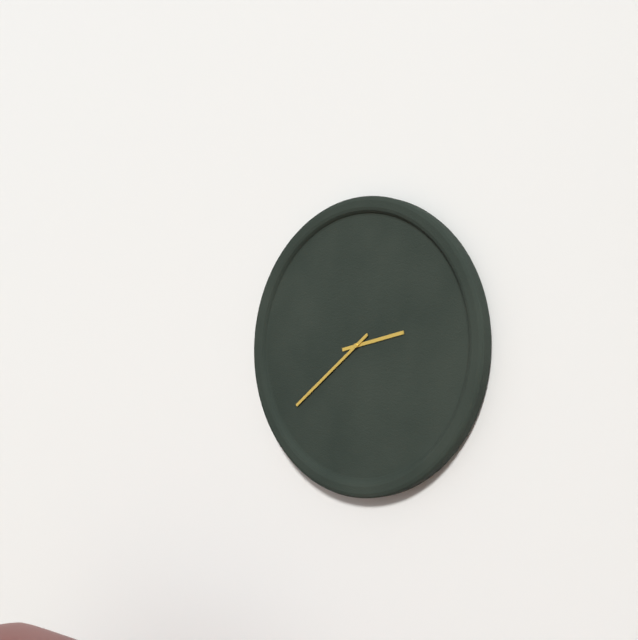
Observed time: **2:39**
